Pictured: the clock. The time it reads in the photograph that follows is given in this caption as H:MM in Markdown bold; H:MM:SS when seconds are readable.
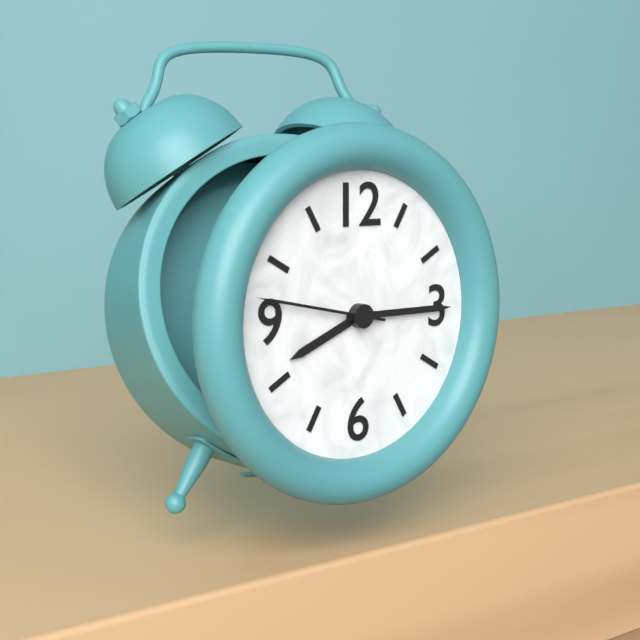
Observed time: **8:15:47**
